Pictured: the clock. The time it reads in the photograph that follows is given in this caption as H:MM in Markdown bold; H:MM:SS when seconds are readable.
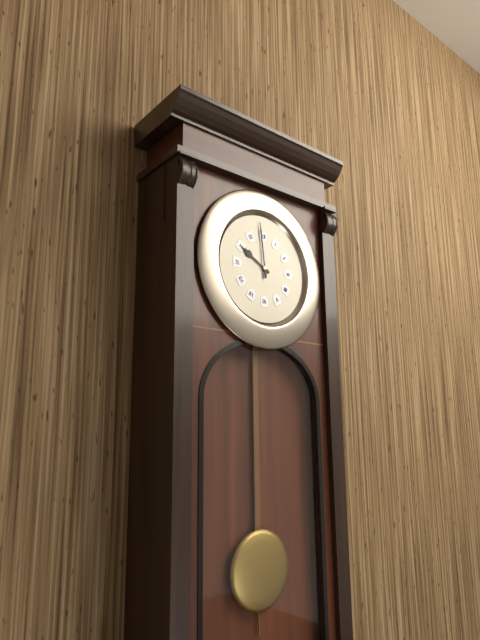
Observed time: **9:59**
